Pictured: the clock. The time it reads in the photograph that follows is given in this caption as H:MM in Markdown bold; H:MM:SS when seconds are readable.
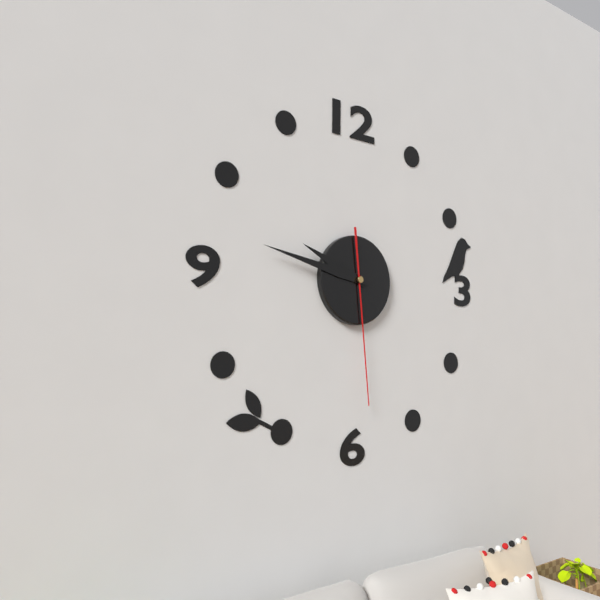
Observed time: **9:47:29**
